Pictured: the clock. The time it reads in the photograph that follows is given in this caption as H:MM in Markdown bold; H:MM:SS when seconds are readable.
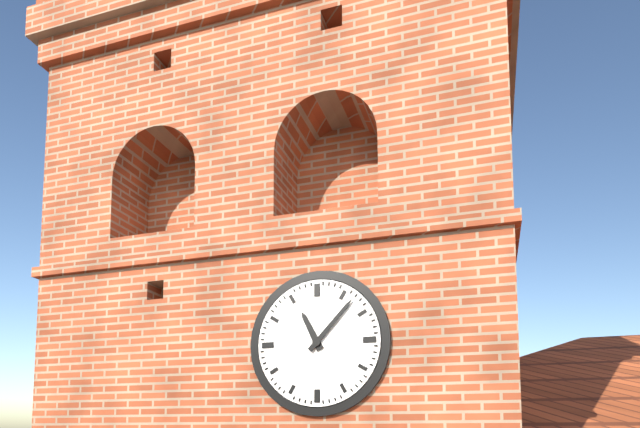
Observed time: **11:07**
